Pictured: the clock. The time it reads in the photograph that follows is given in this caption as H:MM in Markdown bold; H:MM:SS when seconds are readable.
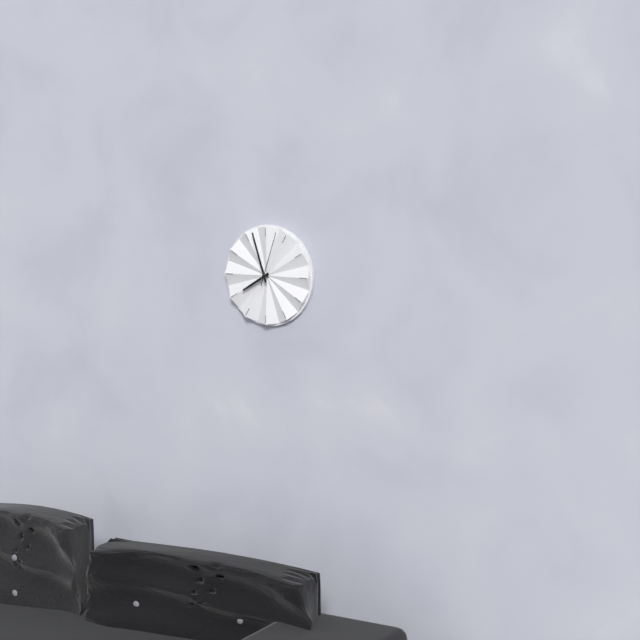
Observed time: **7:57:03**
